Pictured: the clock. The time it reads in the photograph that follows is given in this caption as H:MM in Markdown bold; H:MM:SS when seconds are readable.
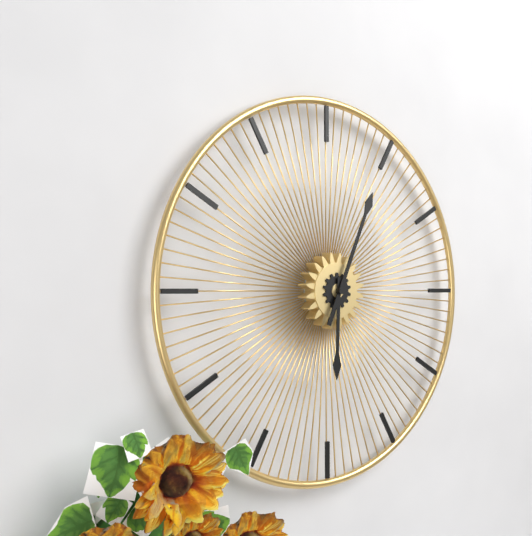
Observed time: **6:04**
